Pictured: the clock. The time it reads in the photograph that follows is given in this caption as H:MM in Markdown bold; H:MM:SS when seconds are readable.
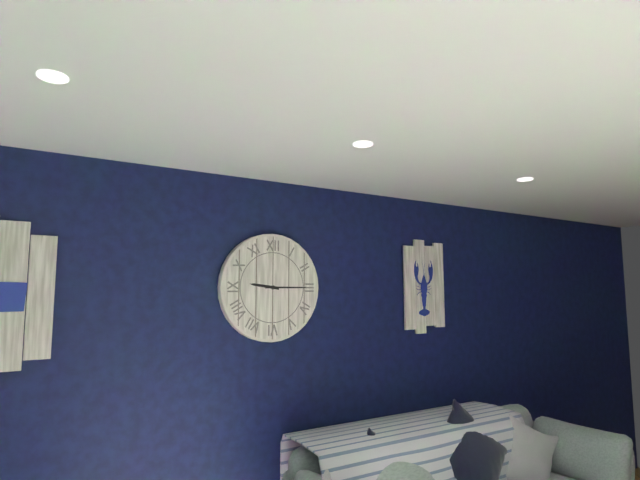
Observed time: **9:15**
